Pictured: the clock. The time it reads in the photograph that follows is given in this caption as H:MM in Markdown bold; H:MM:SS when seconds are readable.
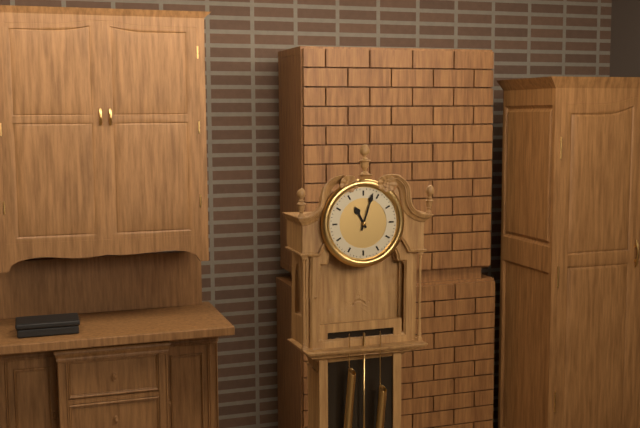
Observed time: **11:03**
